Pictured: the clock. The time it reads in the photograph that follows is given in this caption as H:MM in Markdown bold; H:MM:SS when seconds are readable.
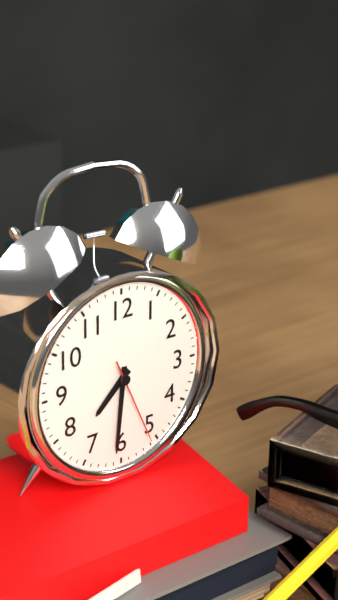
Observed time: **7:31:26**
